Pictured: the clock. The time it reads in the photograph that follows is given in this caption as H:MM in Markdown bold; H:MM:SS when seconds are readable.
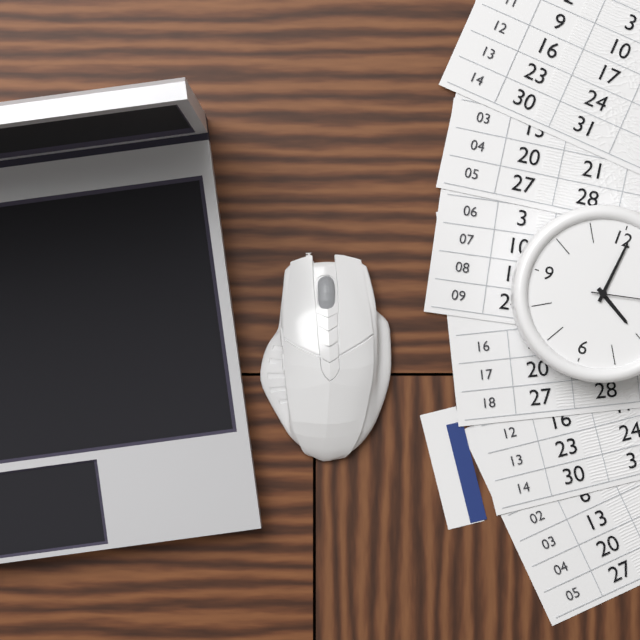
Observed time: **4:01**
